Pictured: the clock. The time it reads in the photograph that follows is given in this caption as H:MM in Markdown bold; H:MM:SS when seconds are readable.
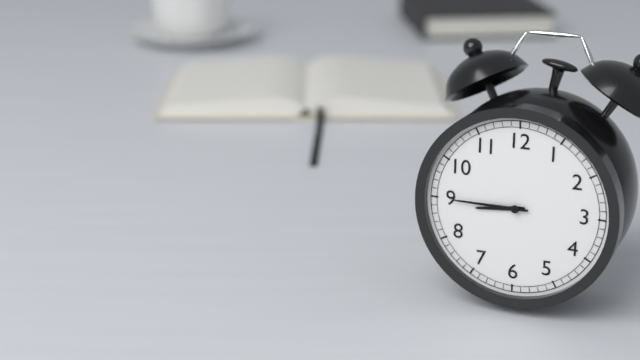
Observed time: **8:45**
